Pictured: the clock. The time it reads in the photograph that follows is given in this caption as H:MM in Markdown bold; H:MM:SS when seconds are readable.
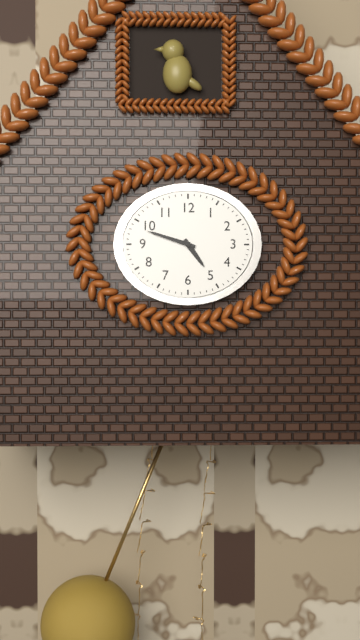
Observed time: **4:48**
